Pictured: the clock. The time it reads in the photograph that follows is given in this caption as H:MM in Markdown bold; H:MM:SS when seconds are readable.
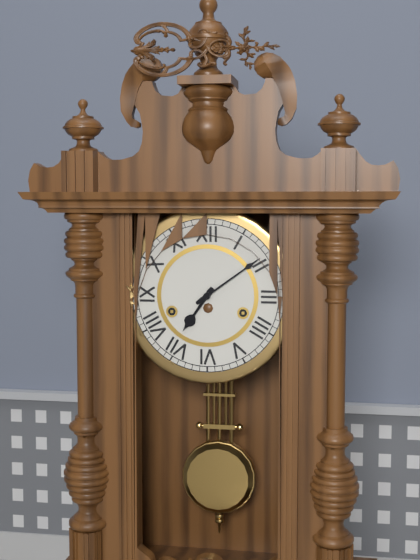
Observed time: **7:09**
